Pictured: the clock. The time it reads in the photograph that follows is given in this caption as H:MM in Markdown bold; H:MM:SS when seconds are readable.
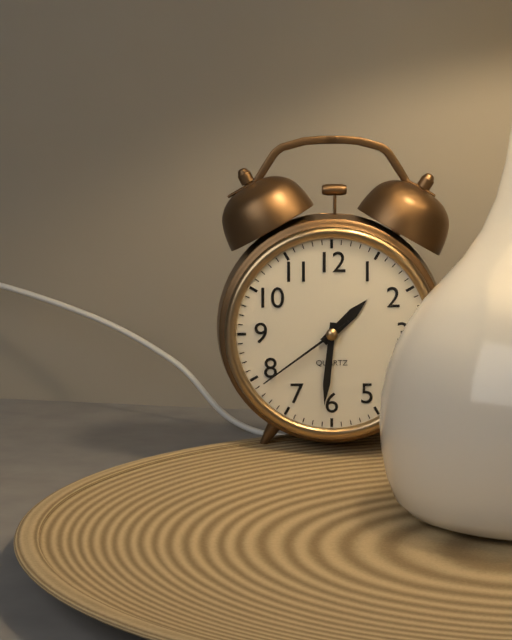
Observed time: **1:31:39**
